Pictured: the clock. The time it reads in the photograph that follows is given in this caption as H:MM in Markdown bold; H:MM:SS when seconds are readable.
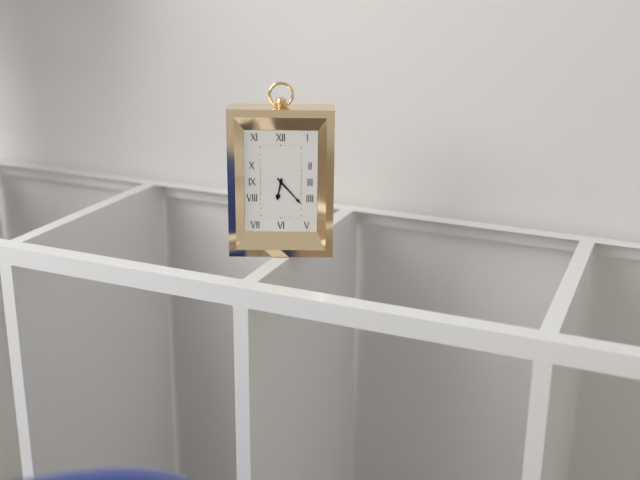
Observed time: **6:23**
